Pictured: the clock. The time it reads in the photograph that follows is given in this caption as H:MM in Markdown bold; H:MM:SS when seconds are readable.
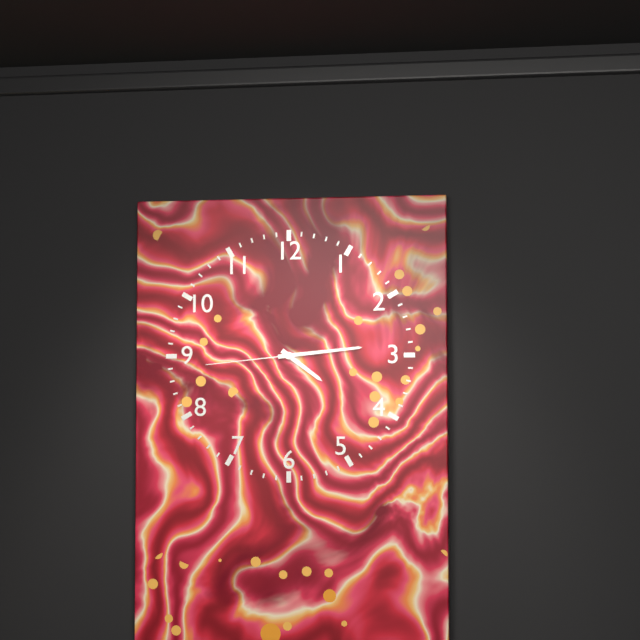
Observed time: **4:14:44**
